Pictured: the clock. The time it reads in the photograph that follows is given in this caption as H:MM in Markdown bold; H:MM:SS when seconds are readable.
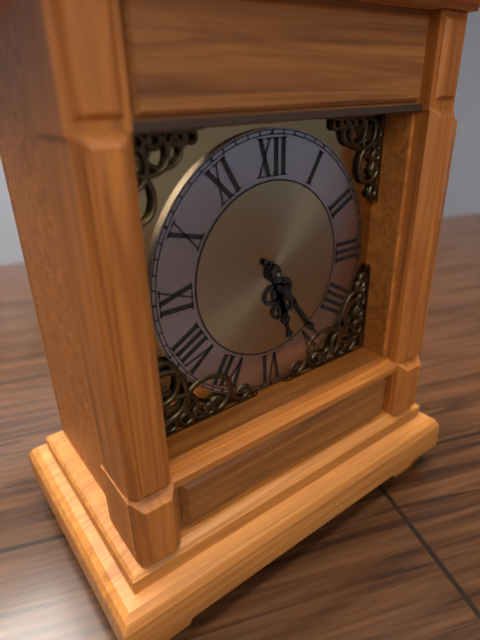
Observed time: **5:24**
